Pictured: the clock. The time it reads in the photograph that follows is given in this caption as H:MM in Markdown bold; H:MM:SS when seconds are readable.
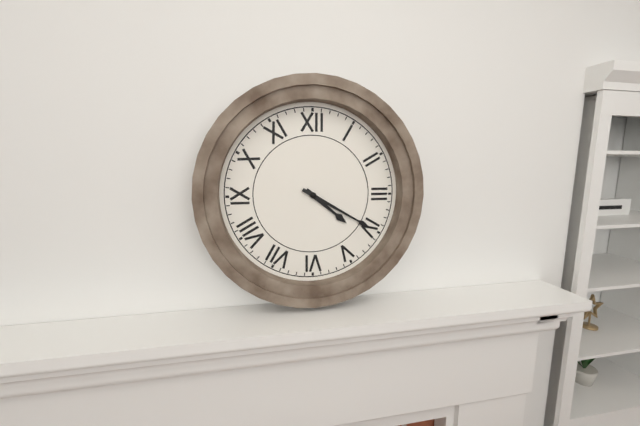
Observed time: **4:20**
